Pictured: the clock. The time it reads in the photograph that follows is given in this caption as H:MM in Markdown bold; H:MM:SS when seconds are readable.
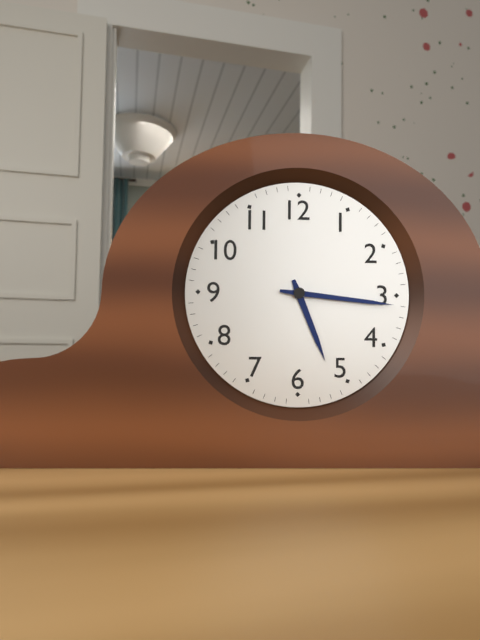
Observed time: **5:16**
